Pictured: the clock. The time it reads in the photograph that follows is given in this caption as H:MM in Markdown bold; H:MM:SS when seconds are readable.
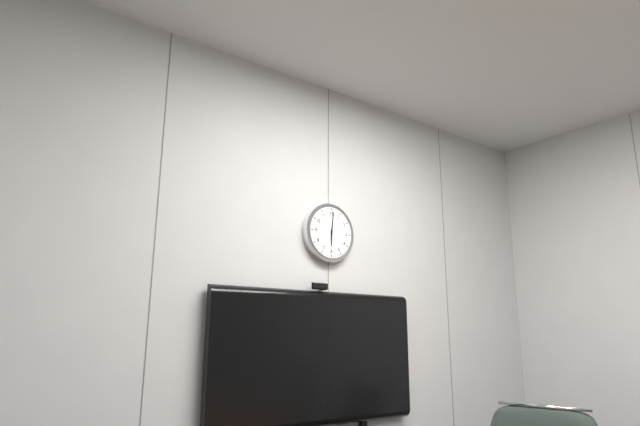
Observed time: **6:01**
